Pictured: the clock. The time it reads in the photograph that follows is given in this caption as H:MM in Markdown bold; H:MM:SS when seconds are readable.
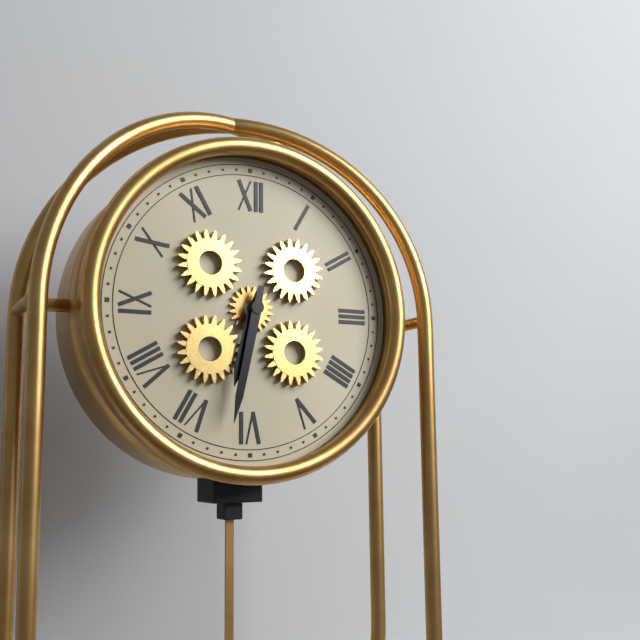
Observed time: **6:32**
